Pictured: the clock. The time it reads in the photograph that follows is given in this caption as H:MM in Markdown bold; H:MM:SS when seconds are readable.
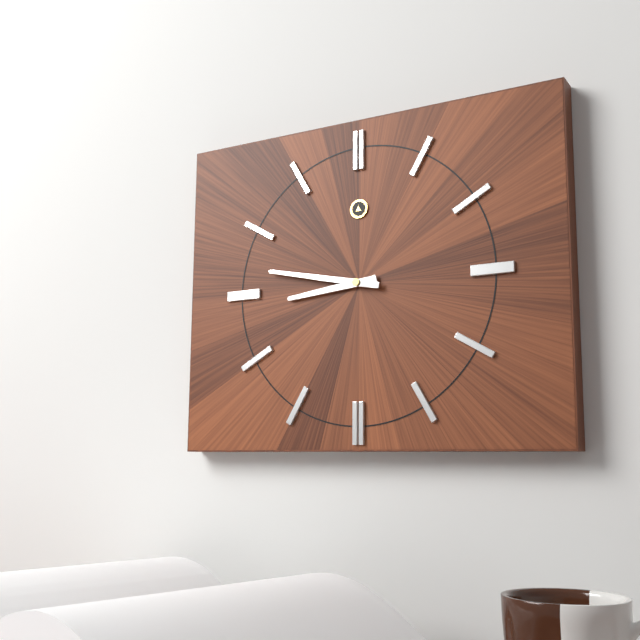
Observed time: **8:47**
